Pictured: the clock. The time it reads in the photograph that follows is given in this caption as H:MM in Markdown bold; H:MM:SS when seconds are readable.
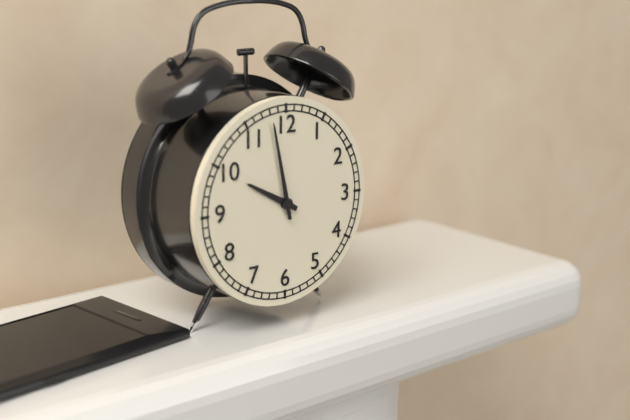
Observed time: **9:58**
